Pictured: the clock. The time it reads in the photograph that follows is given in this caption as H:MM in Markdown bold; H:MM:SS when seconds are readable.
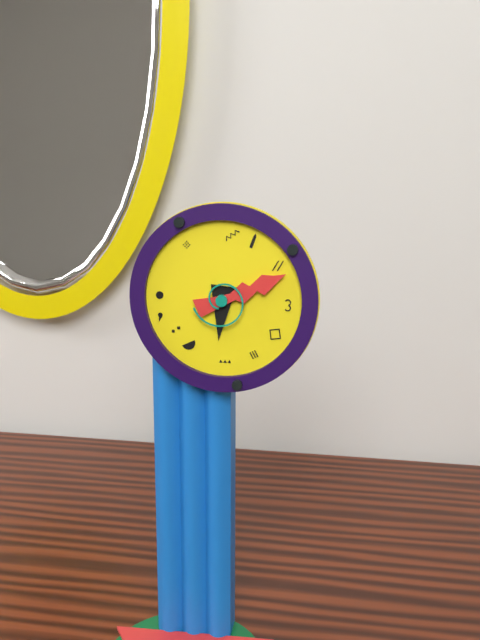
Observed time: **6:11**
